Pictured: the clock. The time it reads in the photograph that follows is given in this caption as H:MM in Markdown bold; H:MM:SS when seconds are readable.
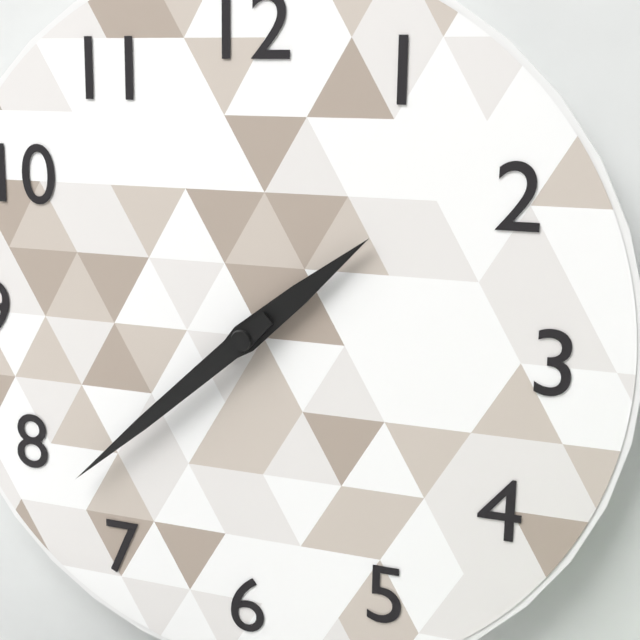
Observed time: **1:38**
